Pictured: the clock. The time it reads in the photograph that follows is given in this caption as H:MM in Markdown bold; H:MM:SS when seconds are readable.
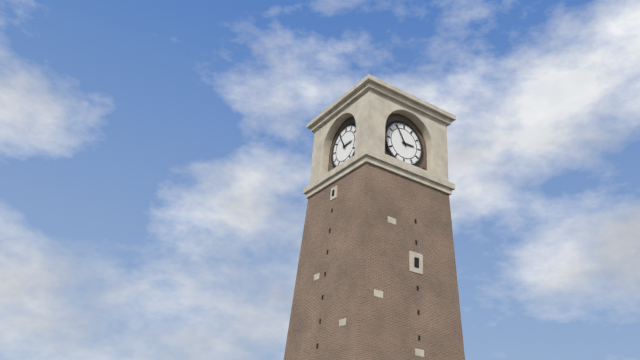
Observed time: **2:55**
